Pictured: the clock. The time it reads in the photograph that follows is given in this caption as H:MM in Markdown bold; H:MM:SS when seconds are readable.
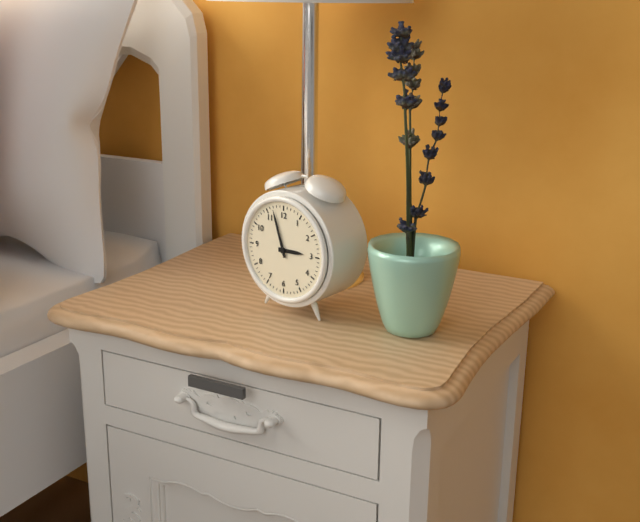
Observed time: **2:57**
